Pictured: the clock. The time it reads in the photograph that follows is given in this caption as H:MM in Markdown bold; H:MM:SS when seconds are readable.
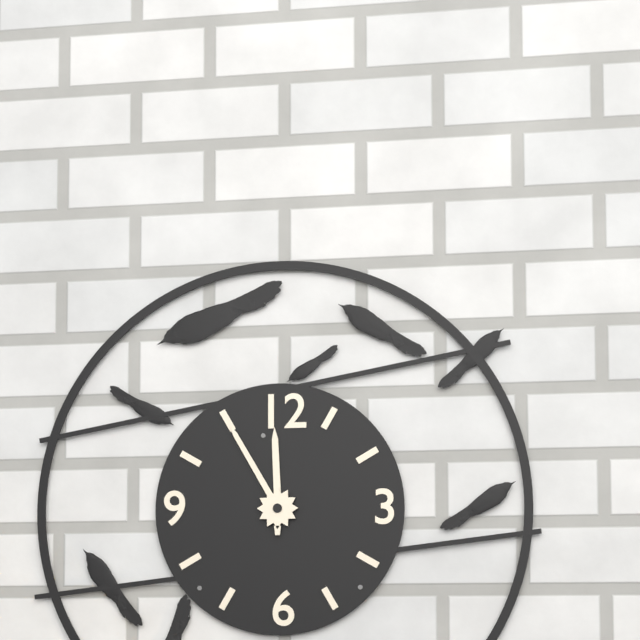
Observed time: **11:55**
